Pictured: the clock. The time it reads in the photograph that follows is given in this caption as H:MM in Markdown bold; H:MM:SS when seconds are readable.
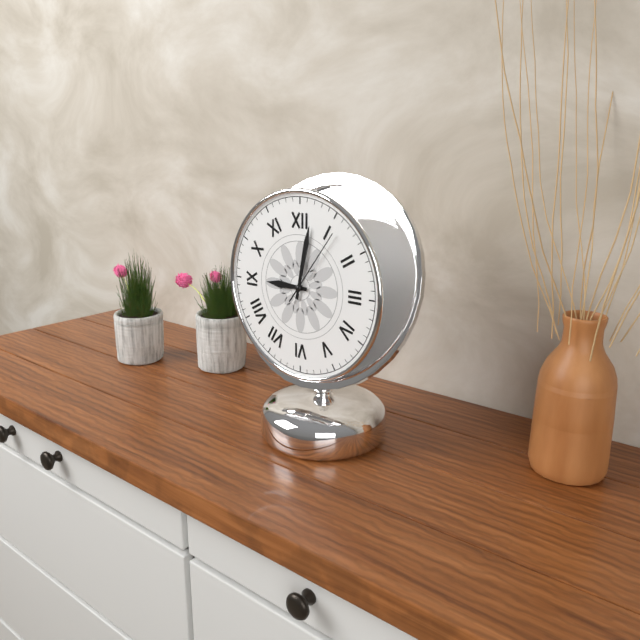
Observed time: **9:02:06**
